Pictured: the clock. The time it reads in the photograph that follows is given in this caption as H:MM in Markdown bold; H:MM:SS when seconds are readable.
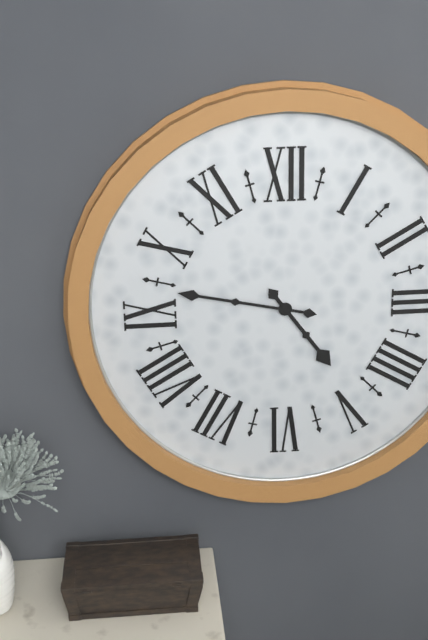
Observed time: **4:47**
